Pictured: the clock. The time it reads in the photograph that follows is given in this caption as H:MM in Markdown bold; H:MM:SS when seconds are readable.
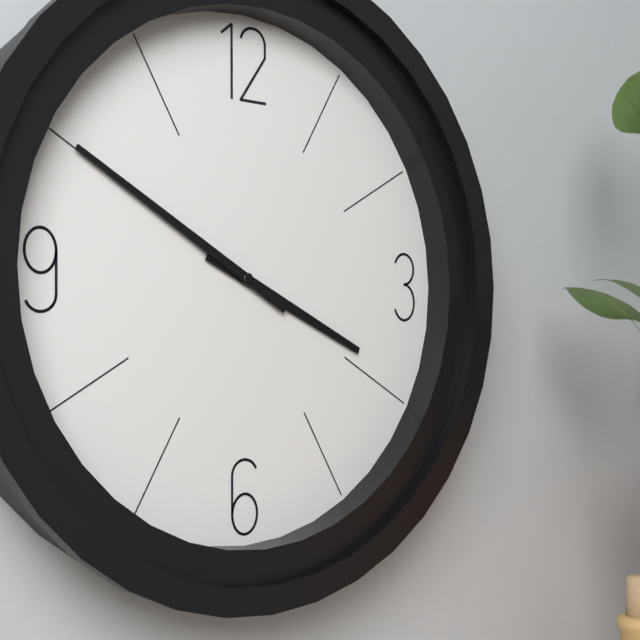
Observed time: **3:50**
